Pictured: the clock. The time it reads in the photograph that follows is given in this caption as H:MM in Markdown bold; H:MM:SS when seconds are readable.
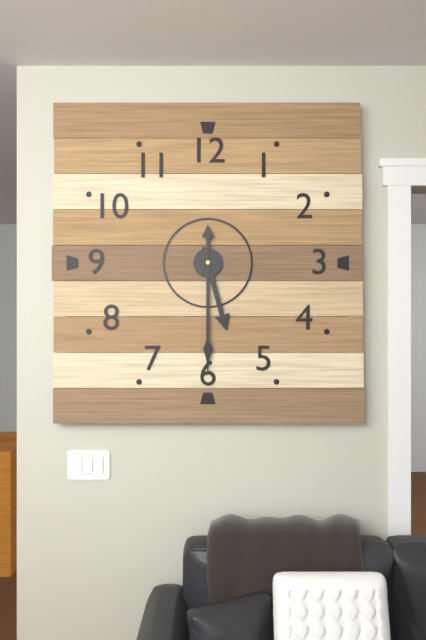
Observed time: **5:30**
